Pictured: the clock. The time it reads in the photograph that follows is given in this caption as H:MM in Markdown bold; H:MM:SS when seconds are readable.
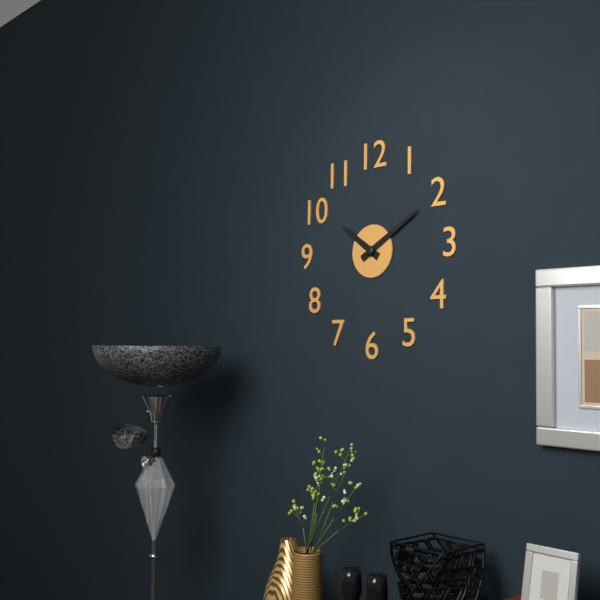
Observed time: **10:10**
